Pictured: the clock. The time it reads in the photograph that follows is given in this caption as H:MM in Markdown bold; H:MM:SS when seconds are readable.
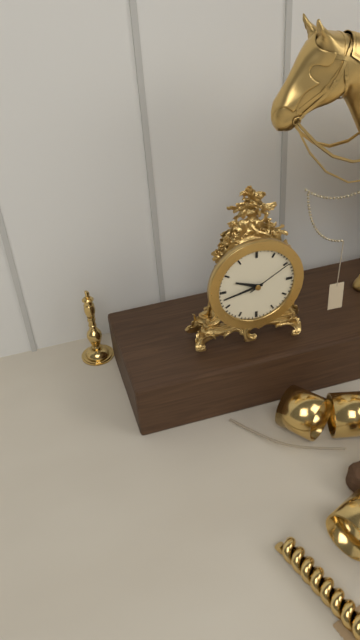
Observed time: **9:43**
